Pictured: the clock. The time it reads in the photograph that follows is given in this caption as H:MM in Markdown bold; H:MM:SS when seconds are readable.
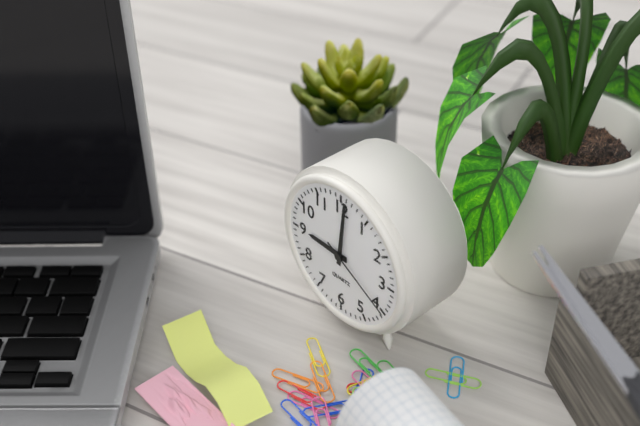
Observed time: **9:01:20**
